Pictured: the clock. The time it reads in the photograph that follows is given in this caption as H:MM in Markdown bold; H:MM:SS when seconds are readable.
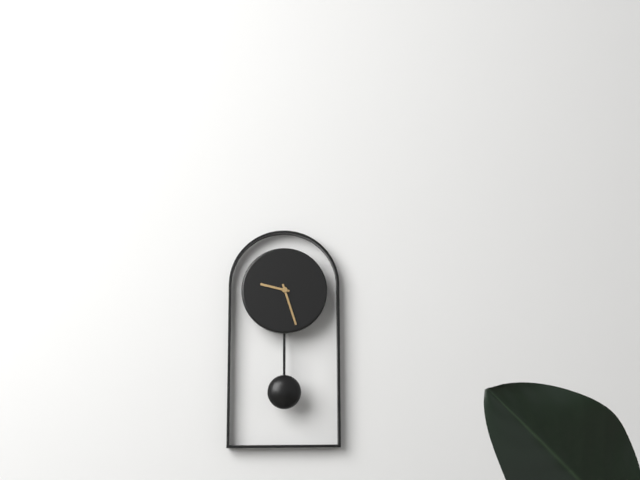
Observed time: **9:27**
